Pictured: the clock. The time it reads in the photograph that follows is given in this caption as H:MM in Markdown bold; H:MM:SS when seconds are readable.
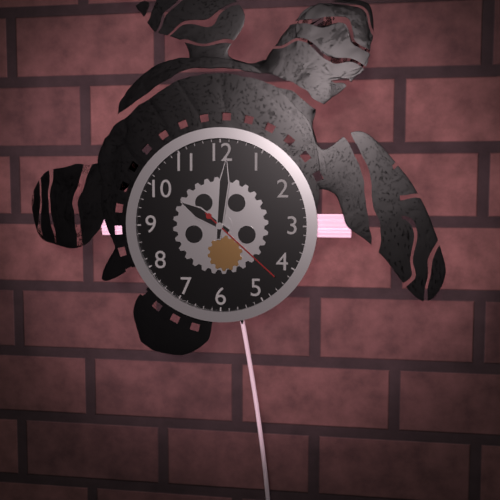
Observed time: **10:01:22**
